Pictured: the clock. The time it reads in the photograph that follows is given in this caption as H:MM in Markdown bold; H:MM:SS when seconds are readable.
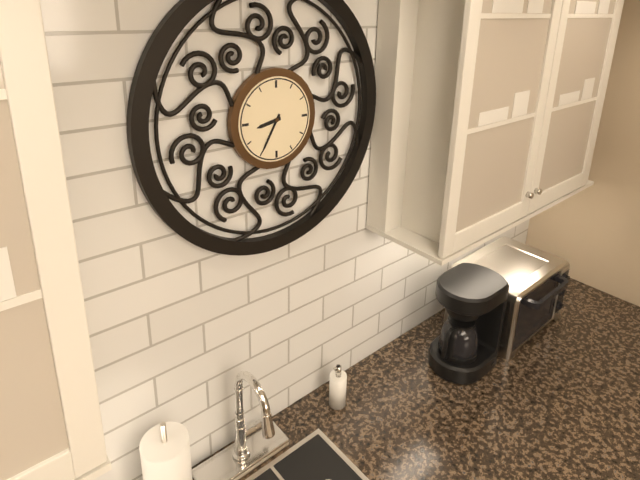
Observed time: **8:35**
